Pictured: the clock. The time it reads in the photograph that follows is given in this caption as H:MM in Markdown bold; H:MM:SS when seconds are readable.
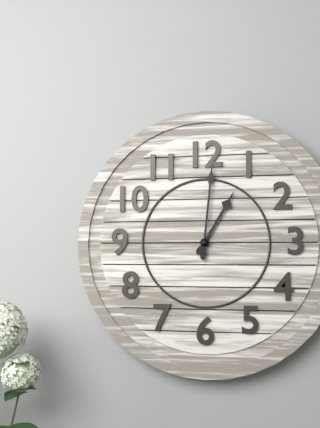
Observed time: **1:01**
